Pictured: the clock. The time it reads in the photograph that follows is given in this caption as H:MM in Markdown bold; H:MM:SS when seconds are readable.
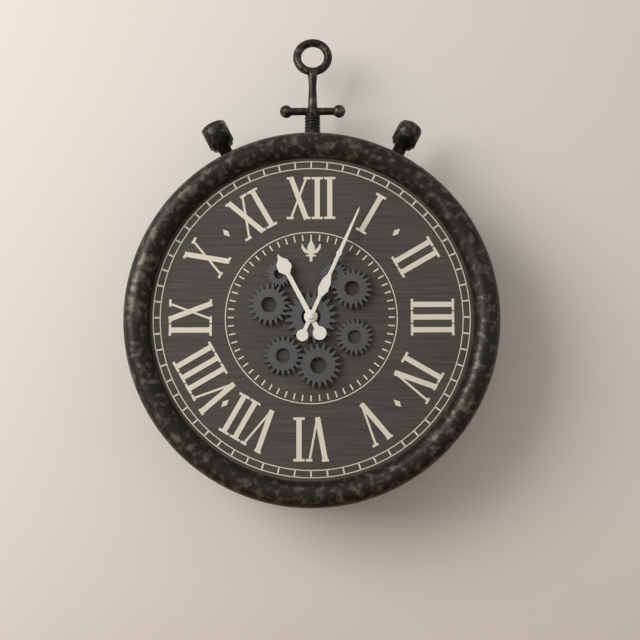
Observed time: **11:04**
